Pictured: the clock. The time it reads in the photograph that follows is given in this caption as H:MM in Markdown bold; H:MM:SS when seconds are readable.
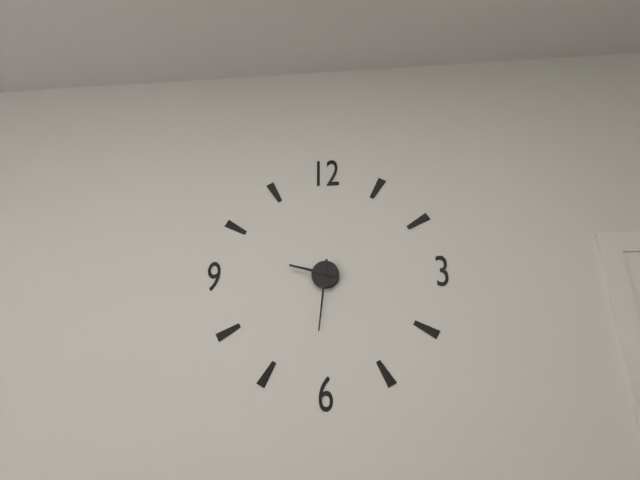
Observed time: **9:31**
